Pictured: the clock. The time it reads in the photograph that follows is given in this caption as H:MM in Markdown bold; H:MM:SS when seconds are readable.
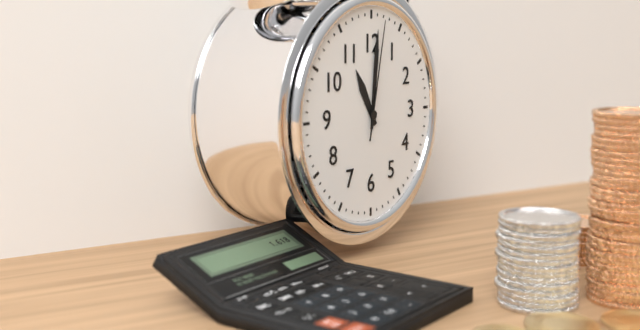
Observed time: **11:01:02**
